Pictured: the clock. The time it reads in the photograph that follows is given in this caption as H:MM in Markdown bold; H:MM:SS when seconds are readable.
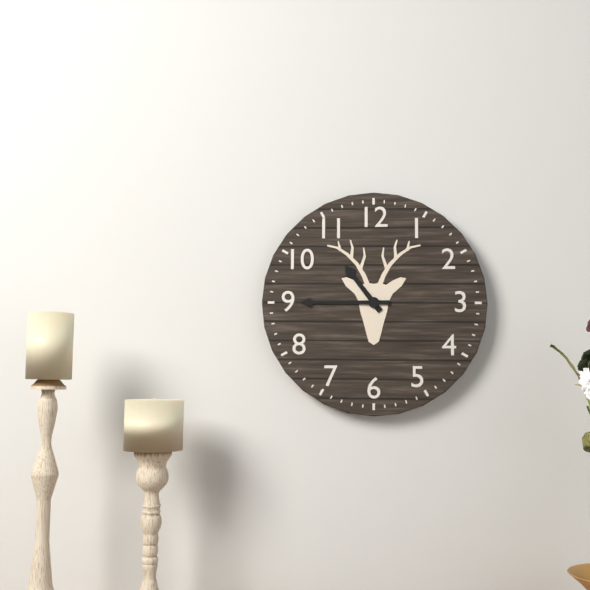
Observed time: **10:45**
